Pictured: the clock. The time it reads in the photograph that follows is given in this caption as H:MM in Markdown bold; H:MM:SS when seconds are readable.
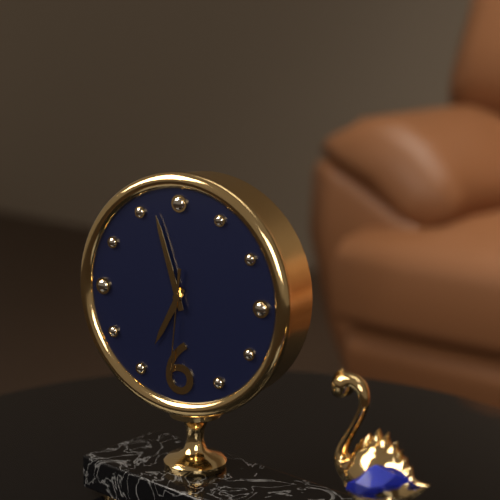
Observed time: **6:57:31**
